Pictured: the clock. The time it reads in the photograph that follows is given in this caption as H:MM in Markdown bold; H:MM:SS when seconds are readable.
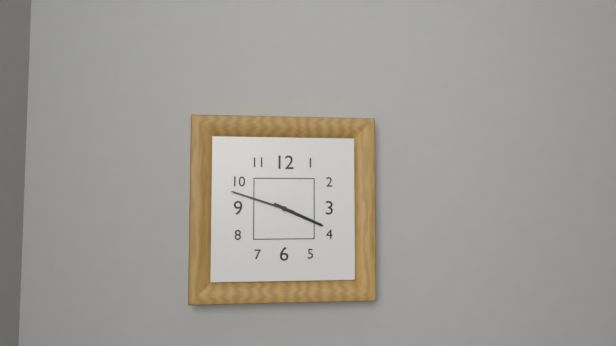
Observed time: **3:48**
